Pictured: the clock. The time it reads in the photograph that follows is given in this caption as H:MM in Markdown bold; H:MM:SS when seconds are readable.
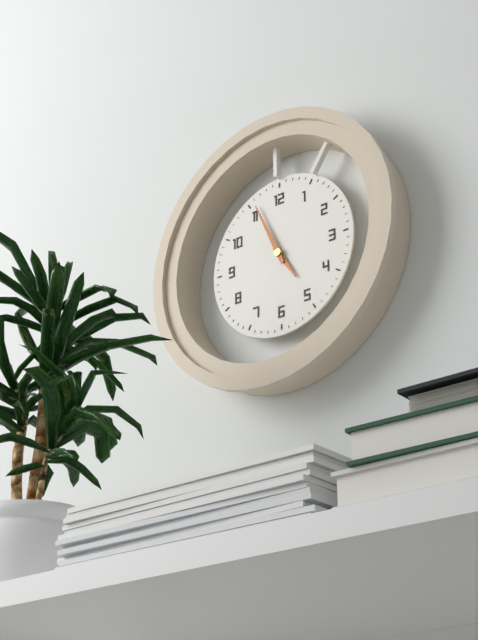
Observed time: **4:56**
